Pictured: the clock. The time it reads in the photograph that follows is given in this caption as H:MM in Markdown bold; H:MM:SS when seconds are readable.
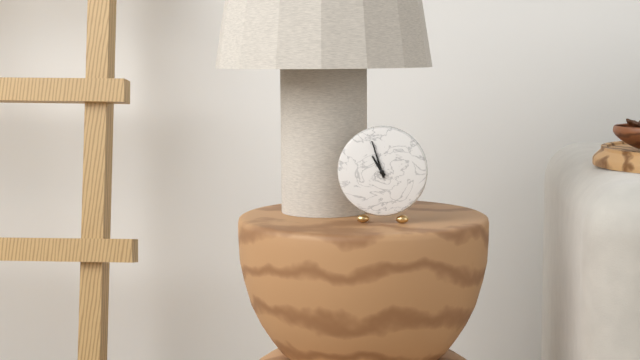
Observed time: **10:57**
